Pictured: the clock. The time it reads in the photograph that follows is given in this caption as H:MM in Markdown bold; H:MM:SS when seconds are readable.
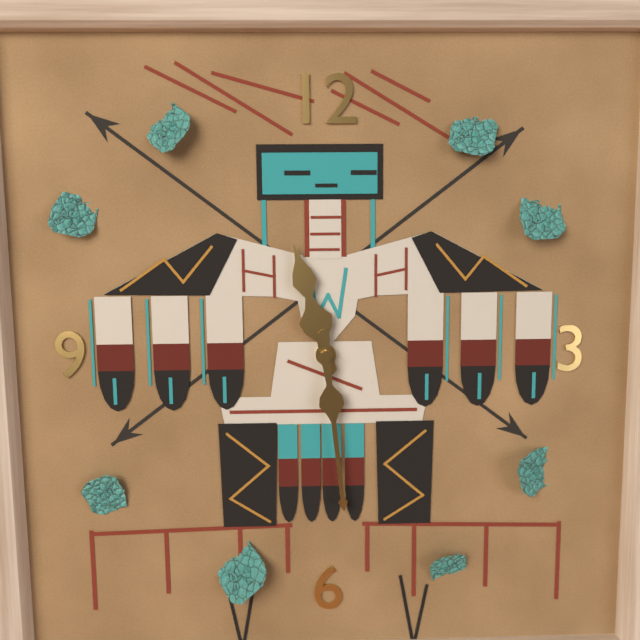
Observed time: **11:29**
